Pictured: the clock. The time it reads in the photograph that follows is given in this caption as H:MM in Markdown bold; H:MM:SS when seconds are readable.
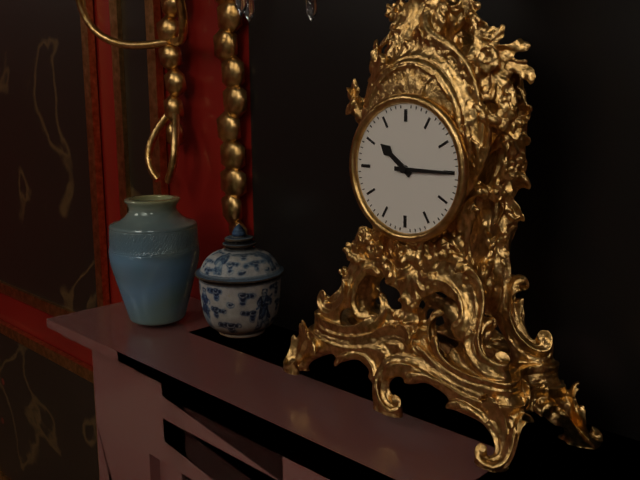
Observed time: **10:15**
